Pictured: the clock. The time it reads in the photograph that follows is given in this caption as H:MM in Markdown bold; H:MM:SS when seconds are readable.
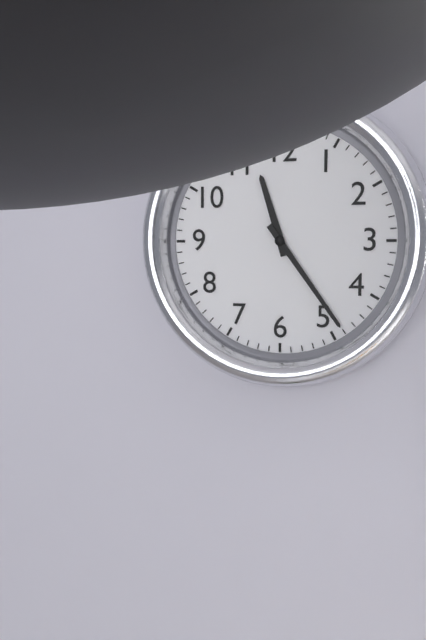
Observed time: **11:24**
